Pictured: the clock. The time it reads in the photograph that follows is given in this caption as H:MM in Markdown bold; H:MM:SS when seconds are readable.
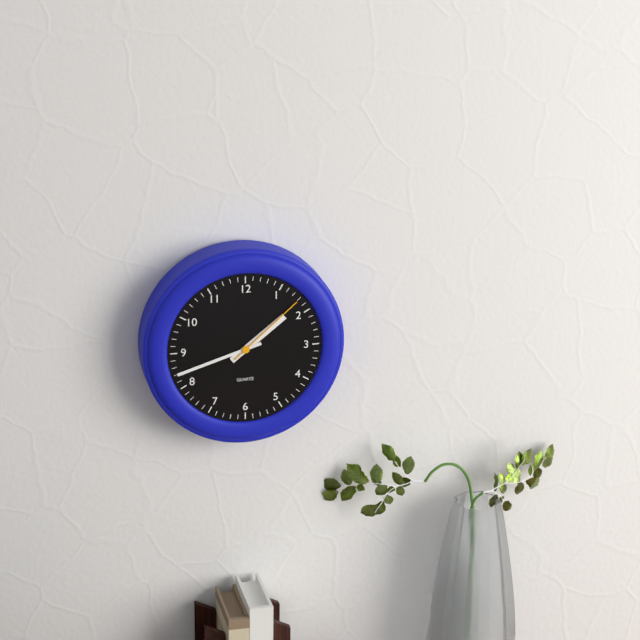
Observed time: **1:42:08**
